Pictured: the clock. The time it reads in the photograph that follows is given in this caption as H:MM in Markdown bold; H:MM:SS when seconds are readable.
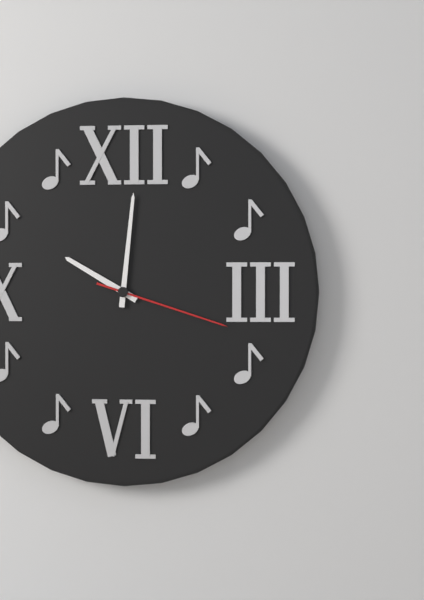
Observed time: **10:01:18**
